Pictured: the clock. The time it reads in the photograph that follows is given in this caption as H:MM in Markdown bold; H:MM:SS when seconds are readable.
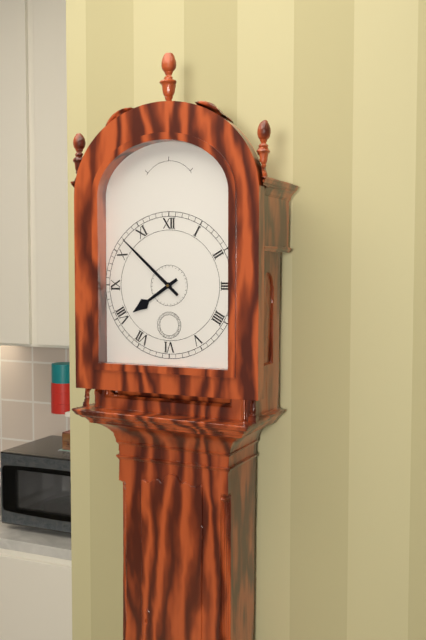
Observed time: **7:52**
